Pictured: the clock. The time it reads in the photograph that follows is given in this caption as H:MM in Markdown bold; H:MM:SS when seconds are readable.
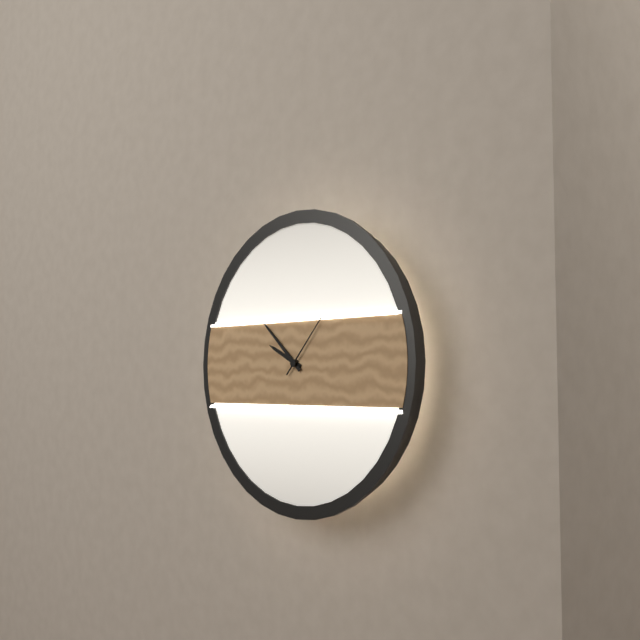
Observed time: **9:52:07**
